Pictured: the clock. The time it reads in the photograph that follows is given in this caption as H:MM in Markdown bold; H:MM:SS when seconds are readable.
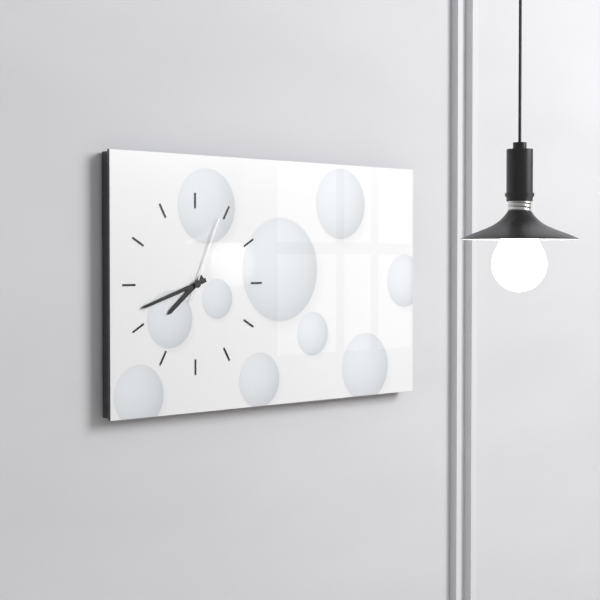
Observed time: **7:42:04**
